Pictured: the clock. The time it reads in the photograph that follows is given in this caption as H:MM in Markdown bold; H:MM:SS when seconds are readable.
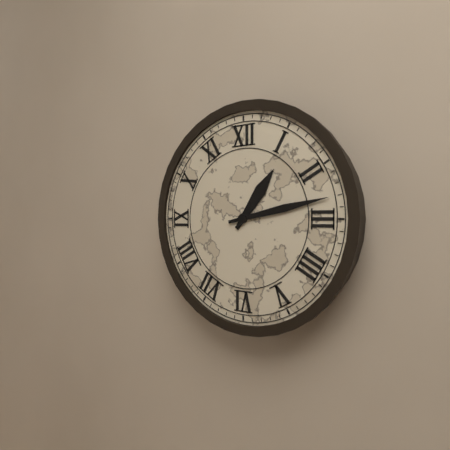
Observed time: **1:13**
